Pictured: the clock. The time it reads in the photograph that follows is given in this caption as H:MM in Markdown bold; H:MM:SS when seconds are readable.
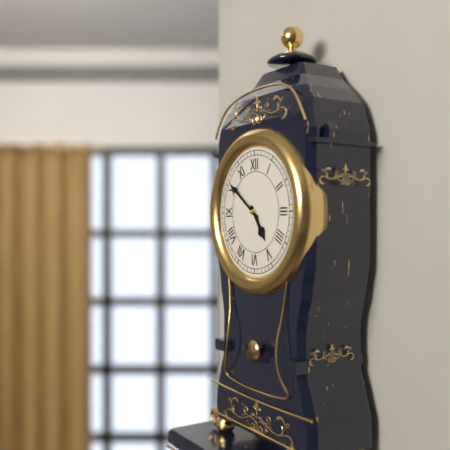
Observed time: **4:51**
